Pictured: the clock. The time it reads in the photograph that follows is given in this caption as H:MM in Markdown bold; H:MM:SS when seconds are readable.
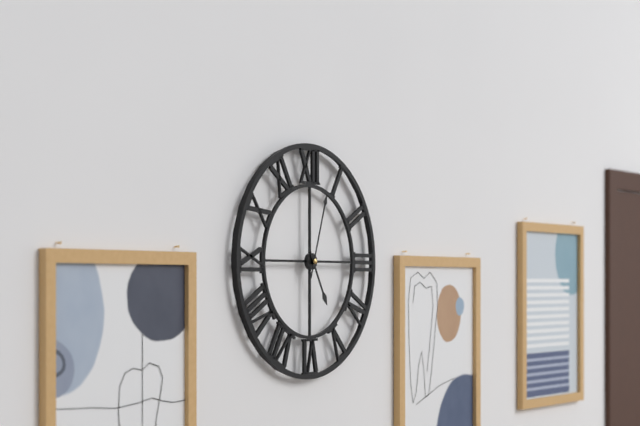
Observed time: **5:03**
